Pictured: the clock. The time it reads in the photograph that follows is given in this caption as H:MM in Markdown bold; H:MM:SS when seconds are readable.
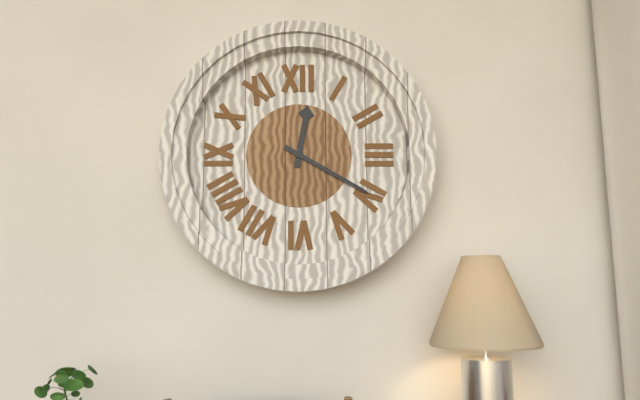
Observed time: **12:20**
